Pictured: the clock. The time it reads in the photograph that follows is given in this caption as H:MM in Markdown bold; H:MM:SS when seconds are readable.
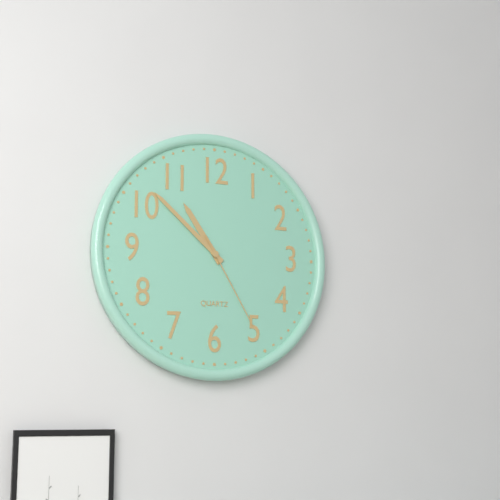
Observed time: **10:52:25**
